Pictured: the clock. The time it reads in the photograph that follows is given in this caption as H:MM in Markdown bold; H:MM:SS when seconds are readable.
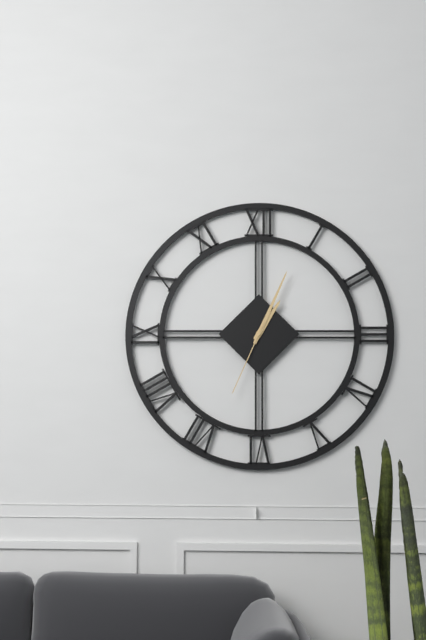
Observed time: **1:04:34**
